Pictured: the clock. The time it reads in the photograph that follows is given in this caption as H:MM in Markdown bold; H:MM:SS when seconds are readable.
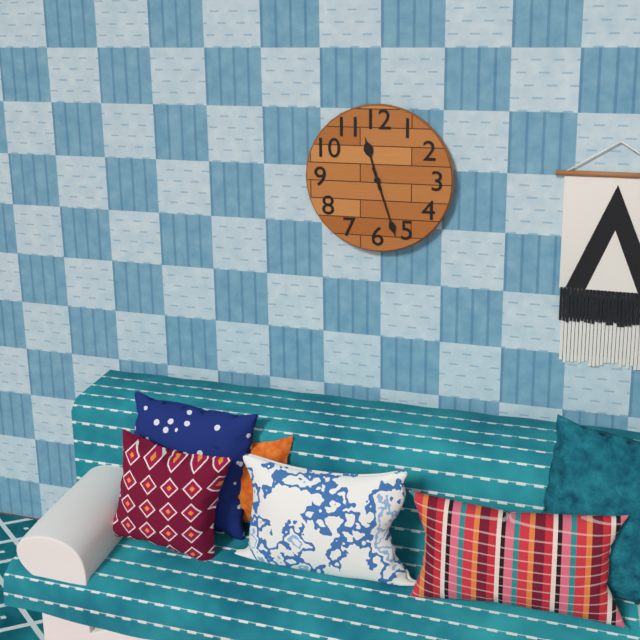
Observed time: **11:27**
